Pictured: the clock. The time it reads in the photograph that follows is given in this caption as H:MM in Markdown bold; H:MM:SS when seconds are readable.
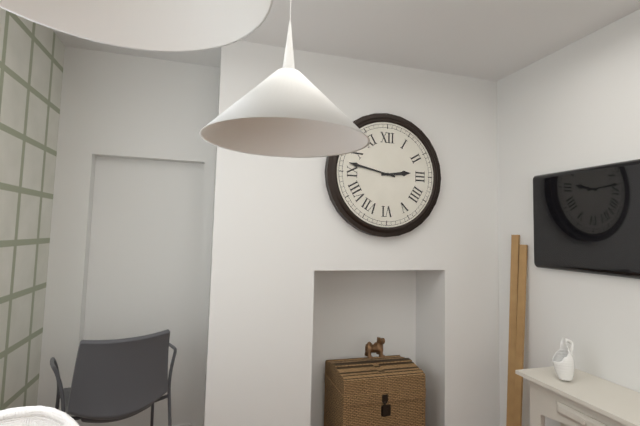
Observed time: **2:47**
